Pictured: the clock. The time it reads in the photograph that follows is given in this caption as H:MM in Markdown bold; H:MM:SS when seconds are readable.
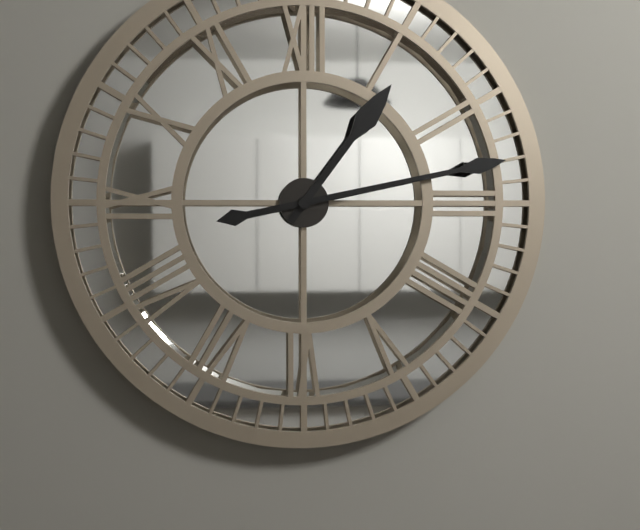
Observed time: **1:13**
